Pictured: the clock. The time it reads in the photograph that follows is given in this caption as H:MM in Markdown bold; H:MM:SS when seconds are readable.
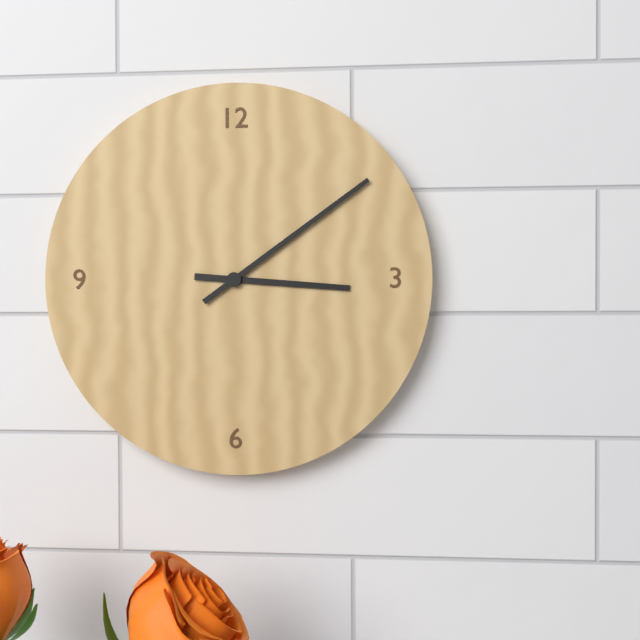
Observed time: **3:09**
